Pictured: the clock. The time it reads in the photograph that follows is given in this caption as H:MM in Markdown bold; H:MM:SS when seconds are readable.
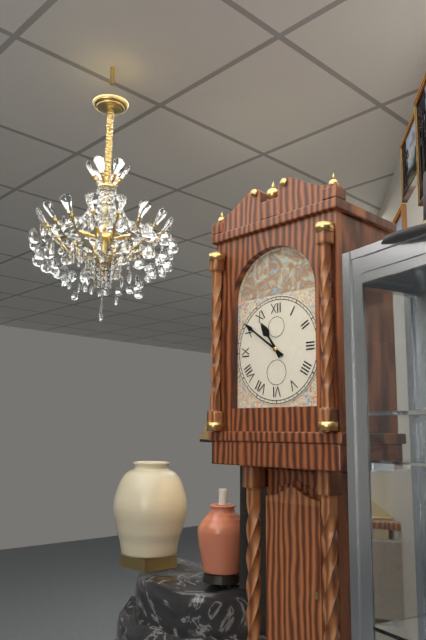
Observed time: **10:51**
